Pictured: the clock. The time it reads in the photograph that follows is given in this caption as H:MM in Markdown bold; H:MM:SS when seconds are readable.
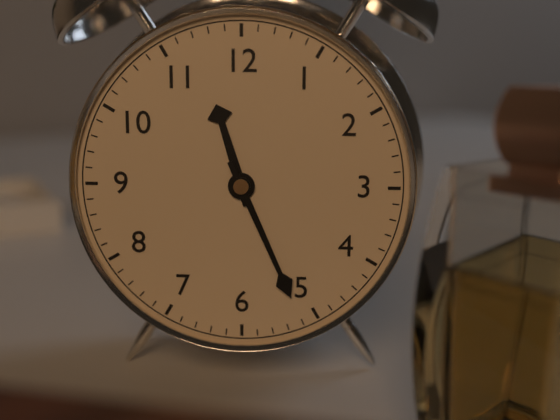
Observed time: **11:26**
